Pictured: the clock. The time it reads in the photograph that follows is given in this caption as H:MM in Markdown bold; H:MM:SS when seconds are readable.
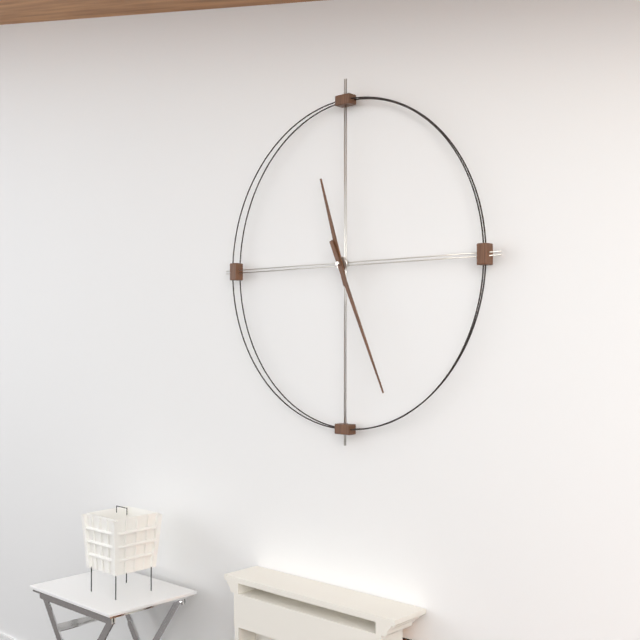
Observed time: **11:26**
